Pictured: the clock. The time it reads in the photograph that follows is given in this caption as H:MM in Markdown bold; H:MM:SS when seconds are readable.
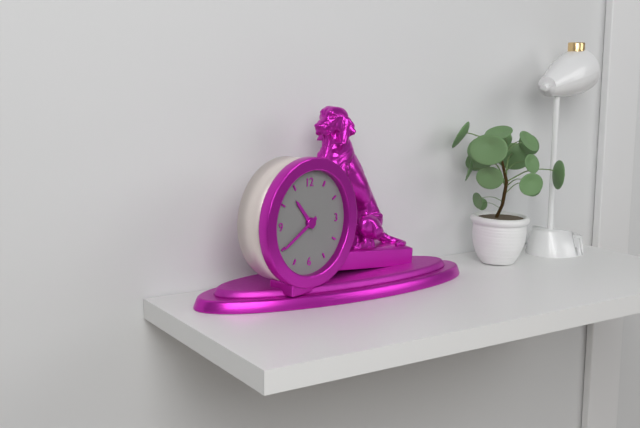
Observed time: **10:40**
